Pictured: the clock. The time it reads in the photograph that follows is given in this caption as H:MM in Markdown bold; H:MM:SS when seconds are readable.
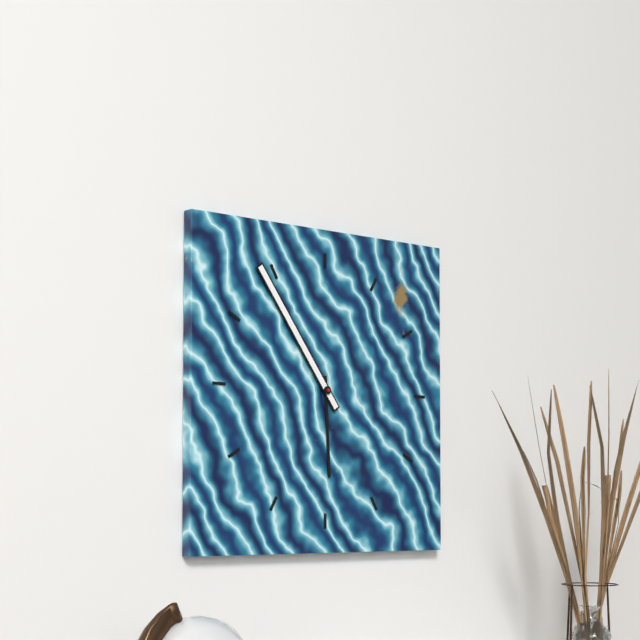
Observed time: **5:54**
